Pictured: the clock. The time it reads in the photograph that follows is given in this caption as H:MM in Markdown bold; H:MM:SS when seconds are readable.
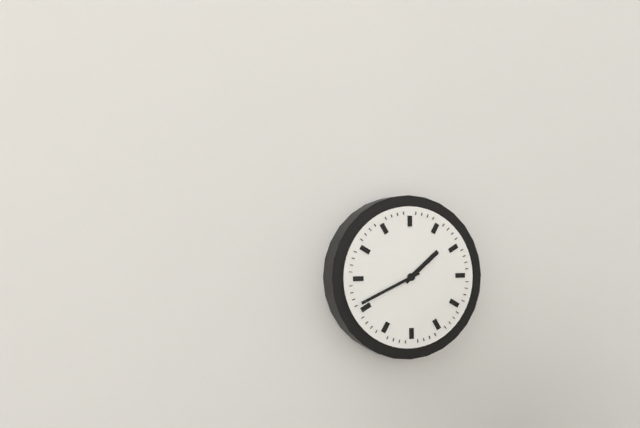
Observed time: **1:41**
